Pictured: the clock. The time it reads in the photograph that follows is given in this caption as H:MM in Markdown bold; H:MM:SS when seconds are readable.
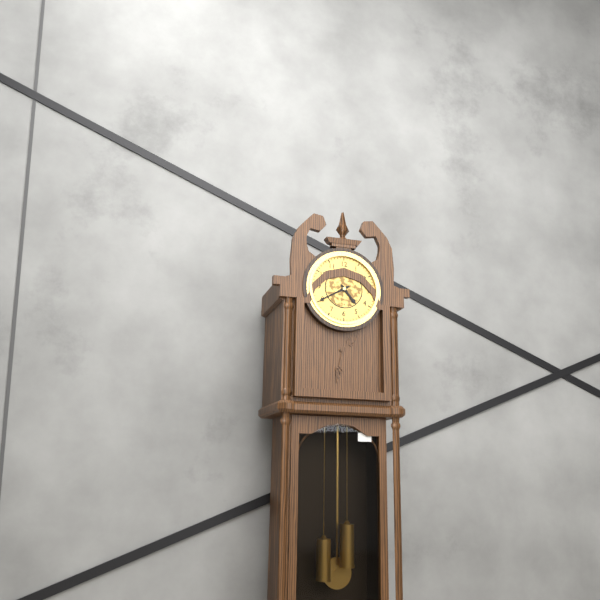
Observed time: **4:40**
